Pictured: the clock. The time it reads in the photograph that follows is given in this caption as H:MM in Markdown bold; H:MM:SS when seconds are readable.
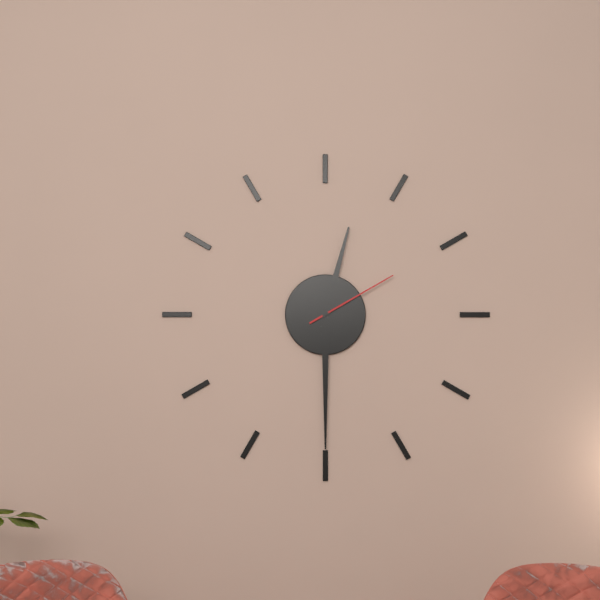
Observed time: **12:30:10**
